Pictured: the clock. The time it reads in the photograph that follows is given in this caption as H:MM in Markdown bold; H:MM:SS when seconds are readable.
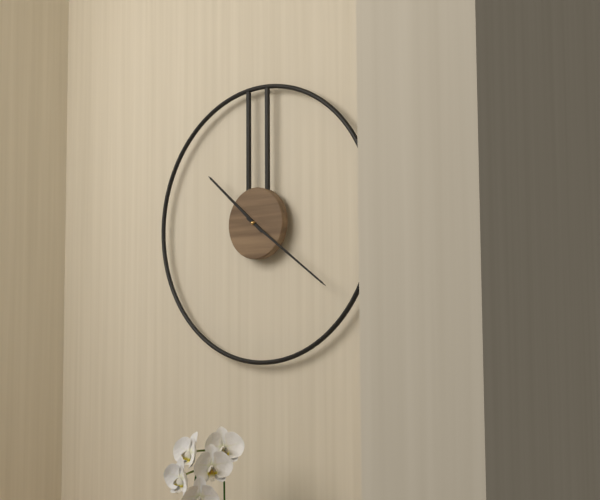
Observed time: **10:21**
